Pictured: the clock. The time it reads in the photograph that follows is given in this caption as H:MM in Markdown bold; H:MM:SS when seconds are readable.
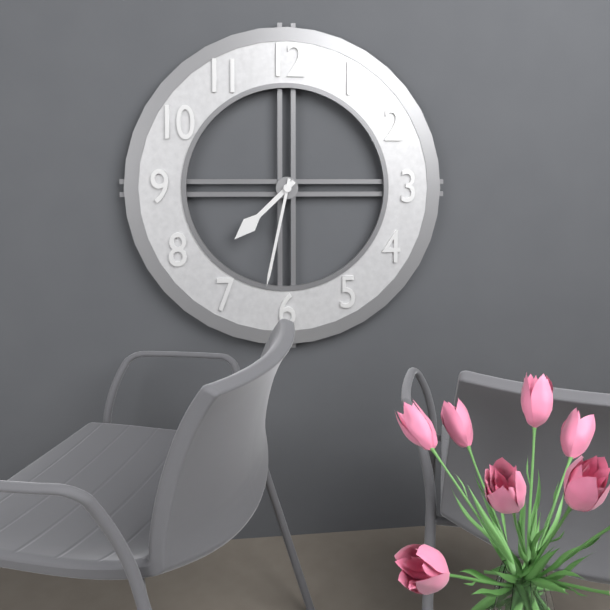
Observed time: **7:32**
